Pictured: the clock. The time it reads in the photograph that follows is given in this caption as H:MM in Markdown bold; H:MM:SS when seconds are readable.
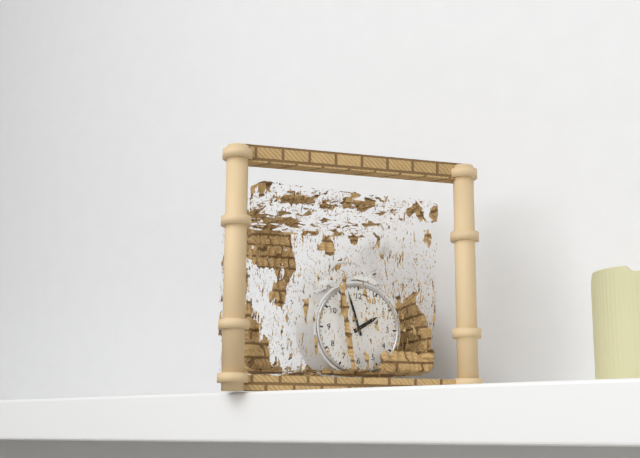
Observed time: **1:57**
